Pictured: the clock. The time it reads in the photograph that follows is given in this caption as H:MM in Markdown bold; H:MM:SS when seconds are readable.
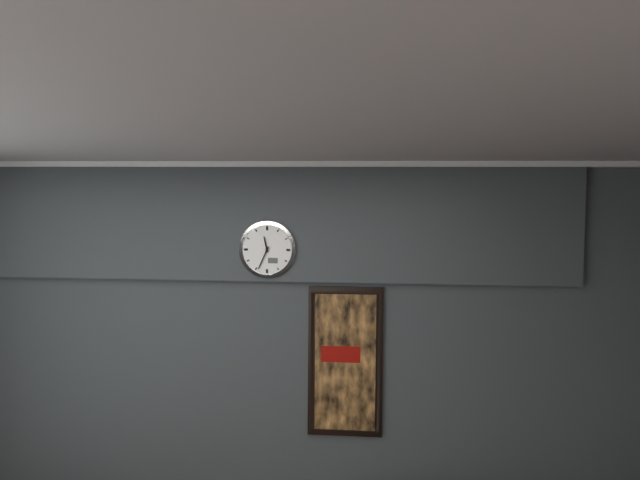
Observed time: **11:34**
